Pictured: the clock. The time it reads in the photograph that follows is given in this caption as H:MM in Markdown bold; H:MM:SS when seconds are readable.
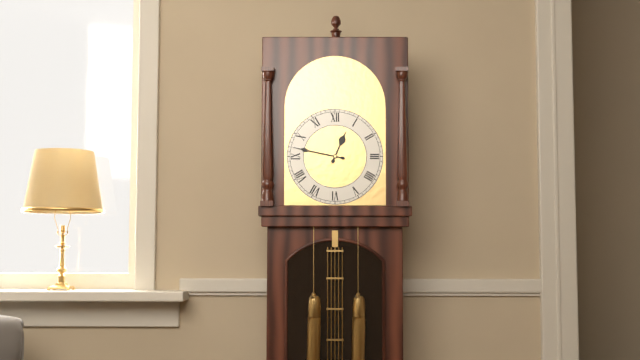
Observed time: **12:47**
